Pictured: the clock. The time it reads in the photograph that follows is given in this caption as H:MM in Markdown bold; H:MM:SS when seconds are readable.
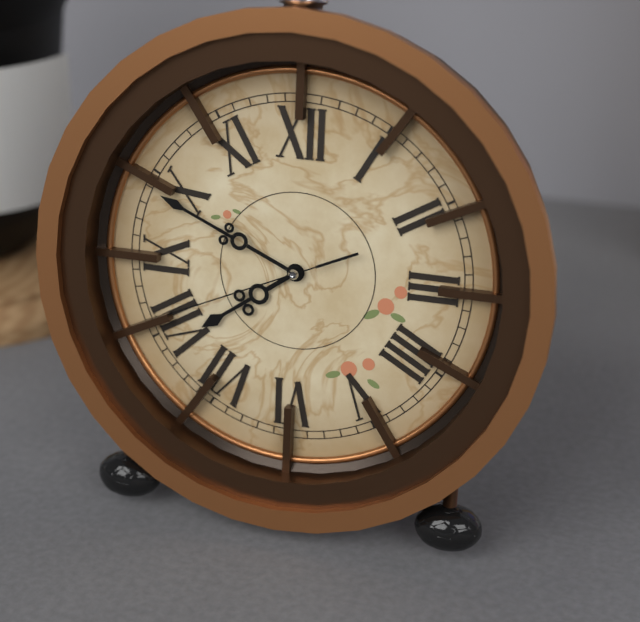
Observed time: **7:49:41**
